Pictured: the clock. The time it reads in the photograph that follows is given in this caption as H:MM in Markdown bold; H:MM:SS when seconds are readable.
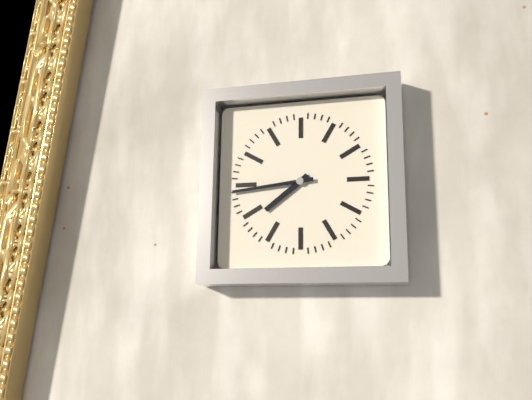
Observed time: **7:44**
